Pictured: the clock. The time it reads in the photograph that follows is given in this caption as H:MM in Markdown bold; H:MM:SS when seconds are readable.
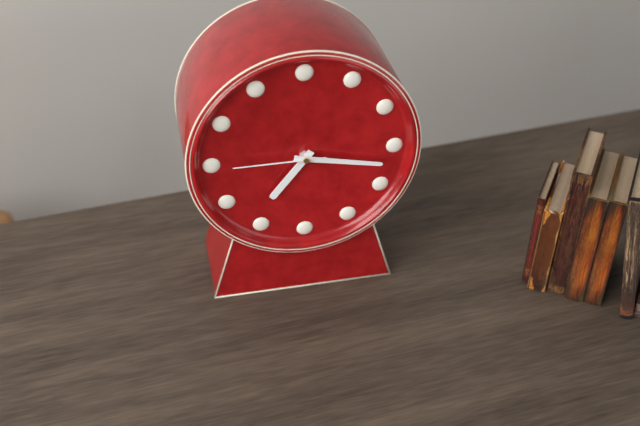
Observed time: **7:17:45**
